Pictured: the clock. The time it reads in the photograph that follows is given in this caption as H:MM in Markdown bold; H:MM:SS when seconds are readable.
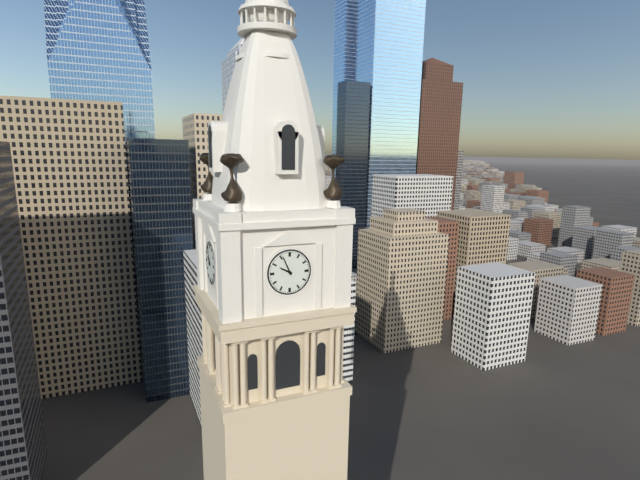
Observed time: **9:56**
